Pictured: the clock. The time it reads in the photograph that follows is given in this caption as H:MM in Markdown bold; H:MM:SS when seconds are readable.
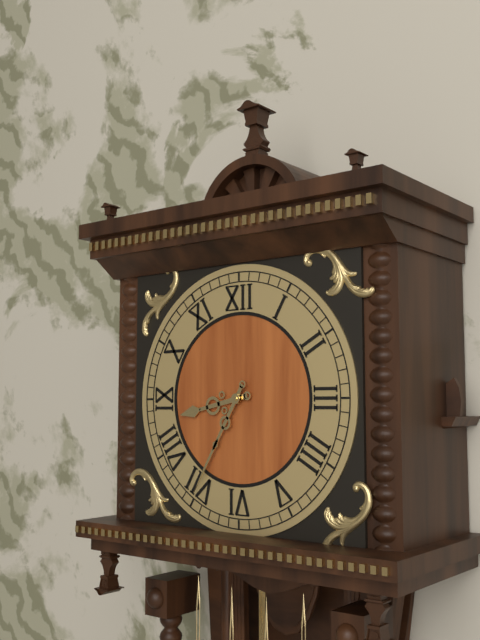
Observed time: **8:35**
